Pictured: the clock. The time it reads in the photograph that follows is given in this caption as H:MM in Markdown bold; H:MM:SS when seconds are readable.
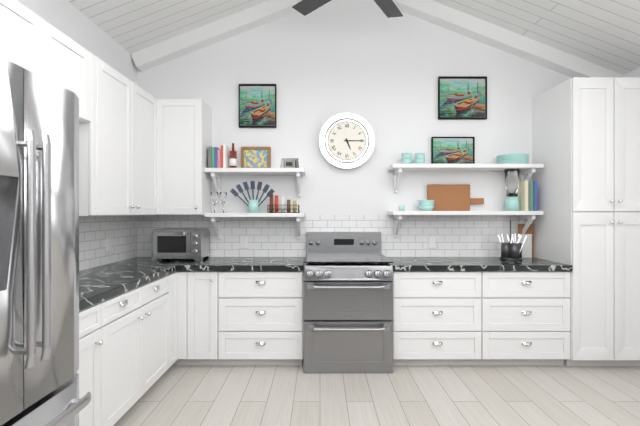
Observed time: **5:15**
